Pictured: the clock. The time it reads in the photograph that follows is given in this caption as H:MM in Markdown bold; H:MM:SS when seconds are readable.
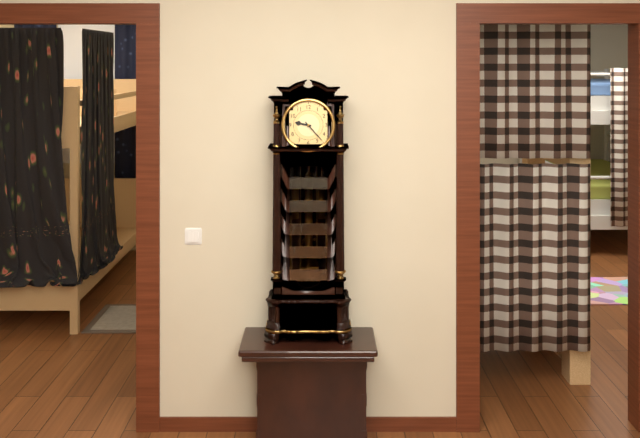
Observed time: **9:23**
